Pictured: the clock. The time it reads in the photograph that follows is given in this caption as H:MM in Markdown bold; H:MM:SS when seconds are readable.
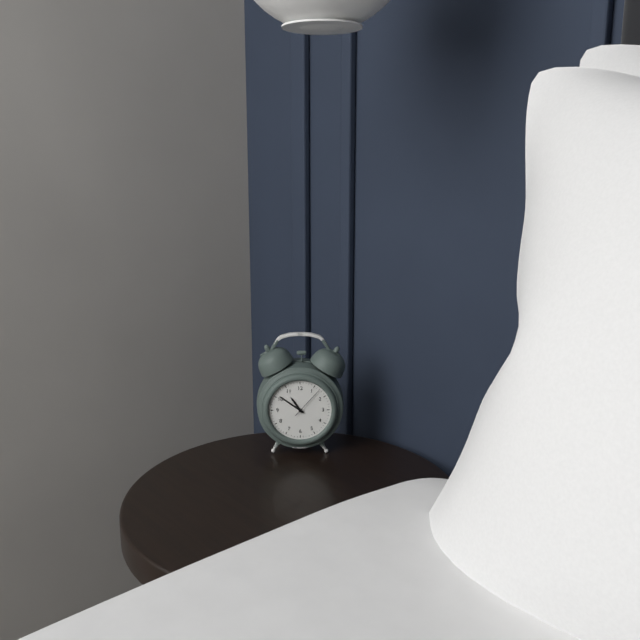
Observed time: **10:51**
